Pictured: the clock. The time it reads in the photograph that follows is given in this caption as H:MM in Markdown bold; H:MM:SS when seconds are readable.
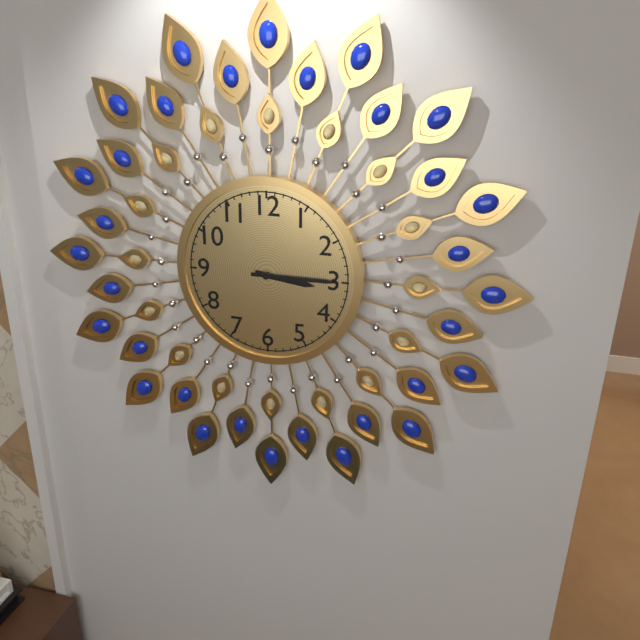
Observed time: **3:15**
